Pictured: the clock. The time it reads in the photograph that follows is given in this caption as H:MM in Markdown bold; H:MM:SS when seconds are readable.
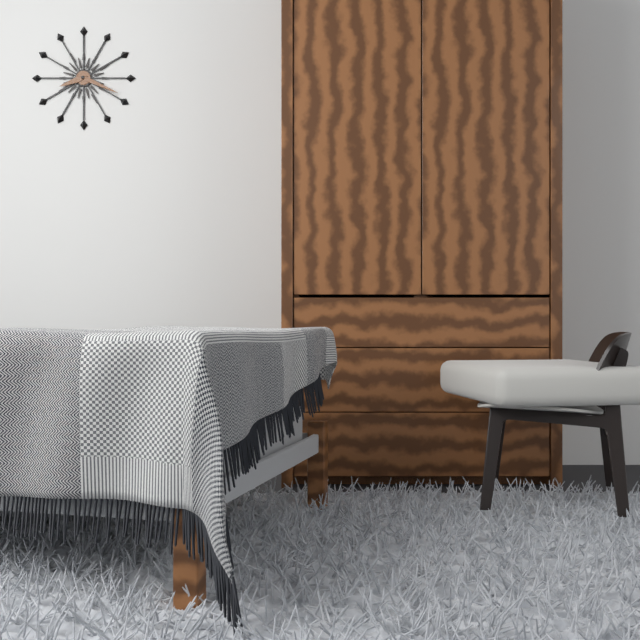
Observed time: **8:19**
